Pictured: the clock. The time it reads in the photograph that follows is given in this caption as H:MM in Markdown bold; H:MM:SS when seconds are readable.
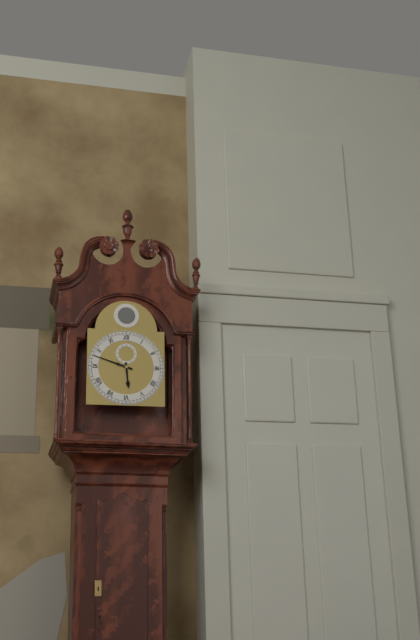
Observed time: **5:48**
